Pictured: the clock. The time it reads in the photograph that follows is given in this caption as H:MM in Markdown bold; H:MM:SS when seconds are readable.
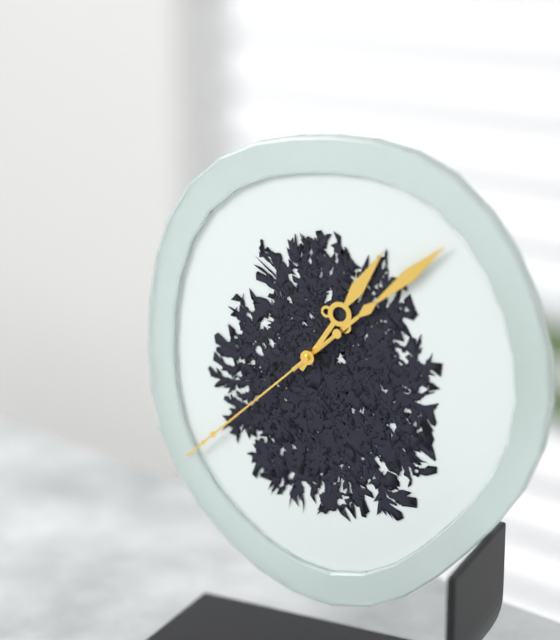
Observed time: **1:08:38**
